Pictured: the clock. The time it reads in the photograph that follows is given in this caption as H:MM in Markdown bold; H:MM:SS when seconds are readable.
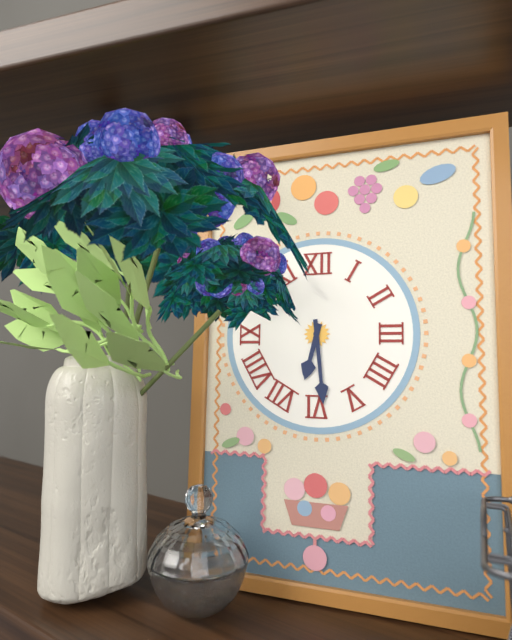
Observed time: **6:29**
